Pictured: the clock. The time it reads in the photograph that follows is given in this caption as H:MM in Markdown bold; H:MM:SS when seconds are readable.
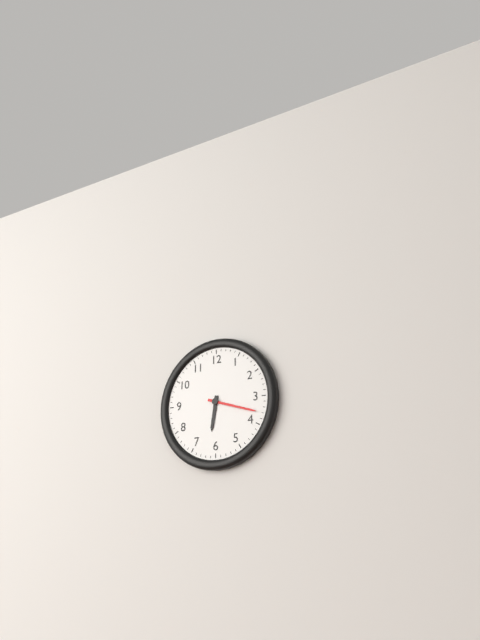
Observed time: **6:18**
